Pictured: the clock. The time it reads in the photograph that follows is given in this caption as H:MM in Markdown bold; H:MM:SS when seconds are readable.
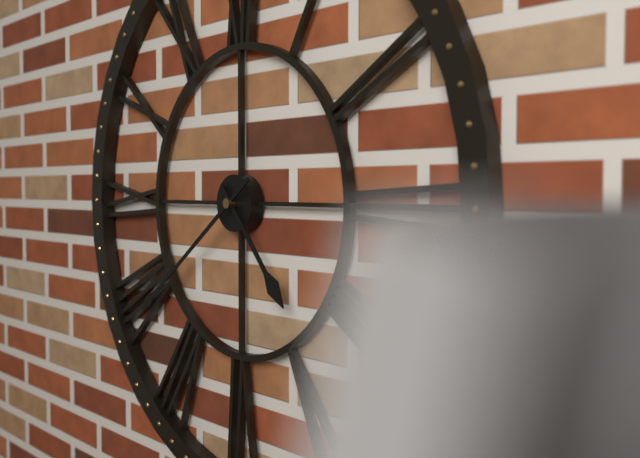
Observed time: **4:39**
